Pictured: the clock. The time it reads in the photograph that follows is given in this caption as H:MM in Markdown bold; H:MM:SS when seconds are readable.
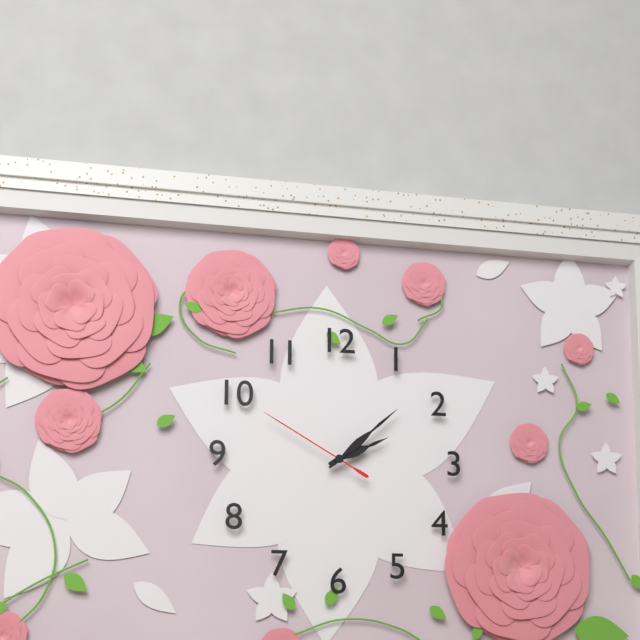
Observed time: **2:08:50**
